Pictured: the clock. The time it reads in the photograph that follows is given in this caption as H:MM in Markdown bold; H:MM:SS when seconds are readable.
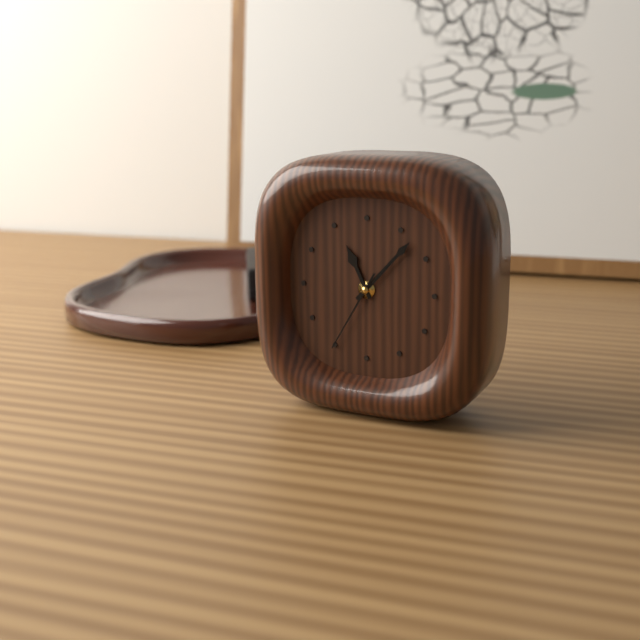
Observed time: **11:07:35**
